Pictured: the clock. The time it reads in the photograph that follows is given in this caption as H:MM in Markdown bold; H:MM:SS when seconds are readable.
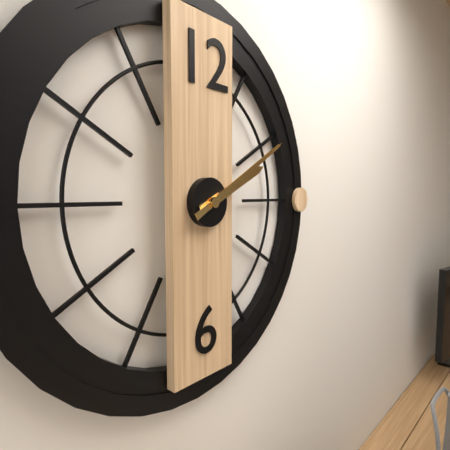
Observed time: **2:10**
